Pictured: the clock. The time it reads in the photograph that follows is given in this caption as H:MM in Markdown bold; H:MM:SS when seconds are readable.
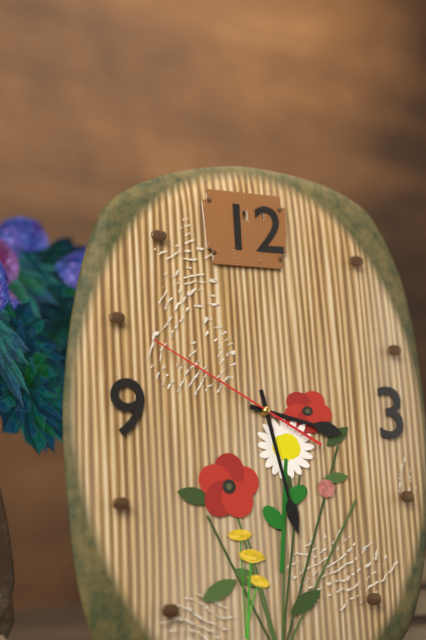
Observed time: **3:28:50**
